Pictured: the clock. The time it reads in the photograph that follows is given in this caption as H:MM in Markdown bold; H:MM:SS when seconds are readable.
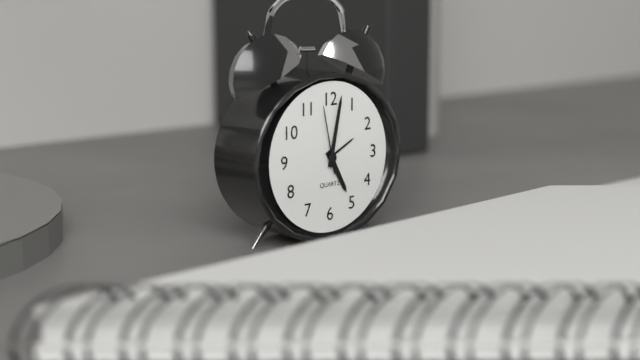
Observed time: **5:02:58**
